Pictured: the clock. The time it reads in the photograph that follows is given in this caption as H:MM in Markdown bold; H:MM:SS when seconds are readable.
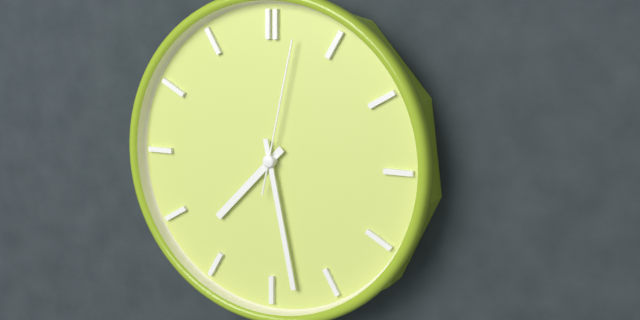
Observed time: **7:28:02**
